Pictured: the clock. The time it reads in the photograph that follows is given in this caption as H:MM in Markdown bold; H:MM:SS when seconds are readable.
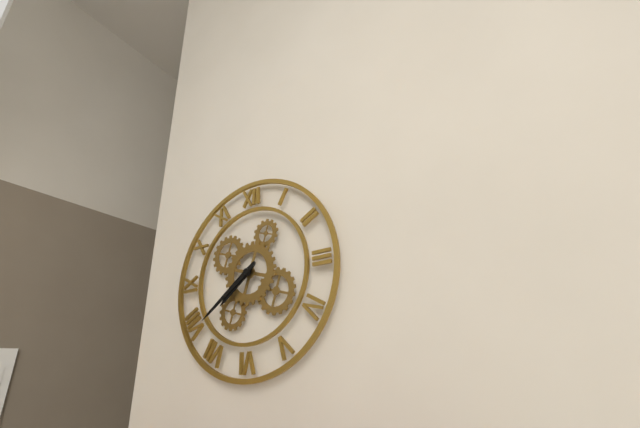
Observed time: **7:39**
